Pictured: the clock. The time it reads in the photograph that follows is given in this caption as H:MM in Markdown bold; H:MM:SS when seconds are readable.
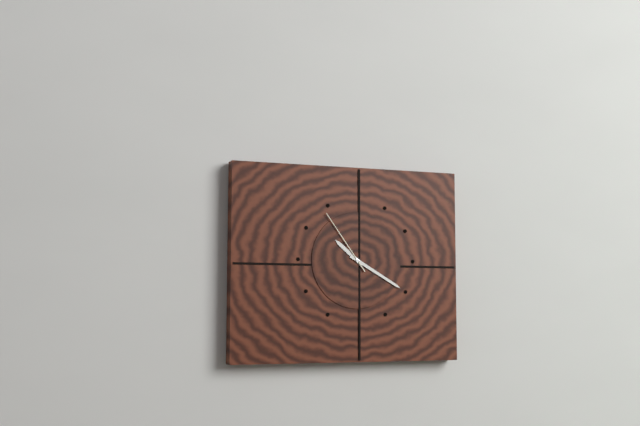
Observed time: **10:20:54**
